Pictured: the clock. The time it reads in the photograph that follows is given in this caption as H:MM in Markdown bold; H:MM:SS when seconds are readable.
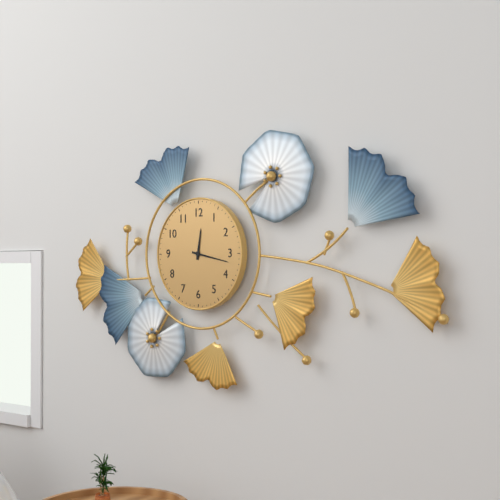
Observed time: **12:17**
